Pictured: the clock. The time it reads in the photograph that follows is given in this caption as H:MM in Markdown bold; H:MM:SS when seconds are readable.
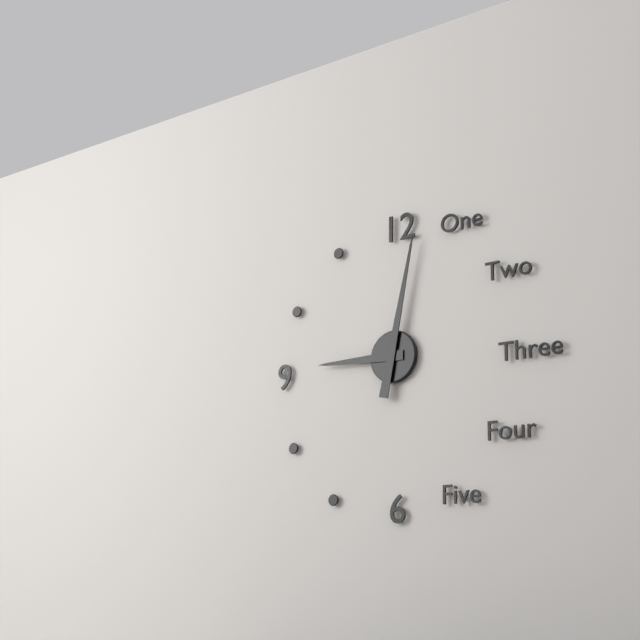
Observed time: **9:02**
